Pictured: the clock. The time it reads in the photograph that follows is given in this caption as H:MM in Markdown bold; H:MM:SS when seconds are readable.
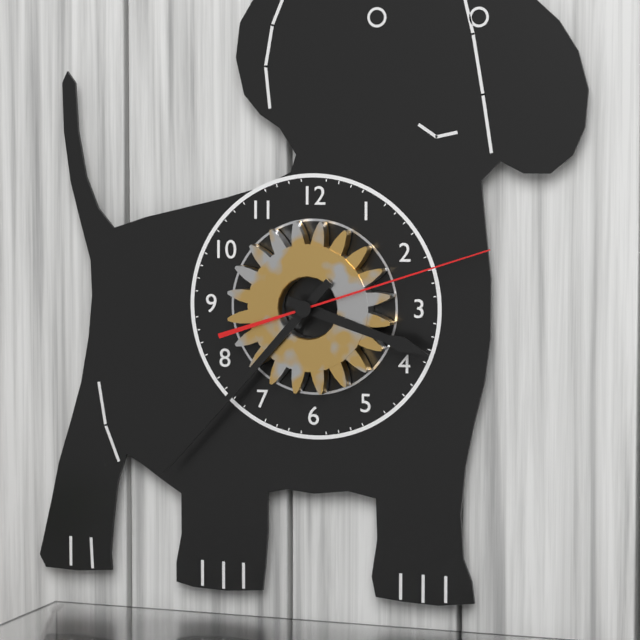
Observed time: **3:37:12**
